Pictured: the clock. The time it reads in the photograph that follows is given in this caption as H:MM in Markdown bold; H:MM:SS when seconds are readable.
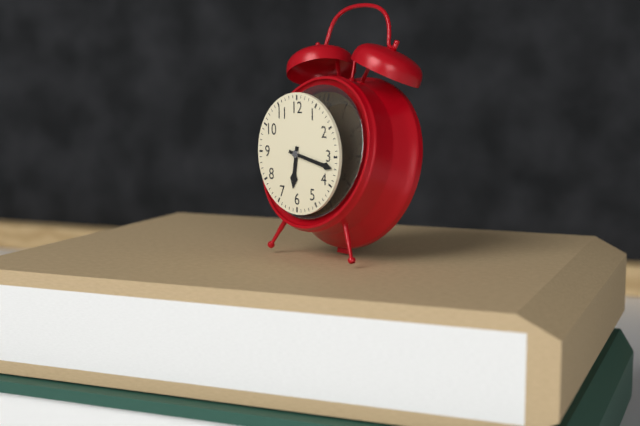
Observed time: **6:17**
